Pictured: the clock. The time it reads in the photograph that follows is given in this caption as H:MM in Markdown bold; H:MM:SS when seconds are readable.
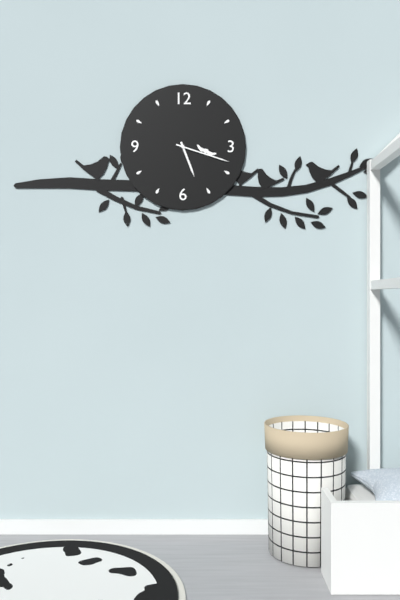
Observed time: **5:18**
